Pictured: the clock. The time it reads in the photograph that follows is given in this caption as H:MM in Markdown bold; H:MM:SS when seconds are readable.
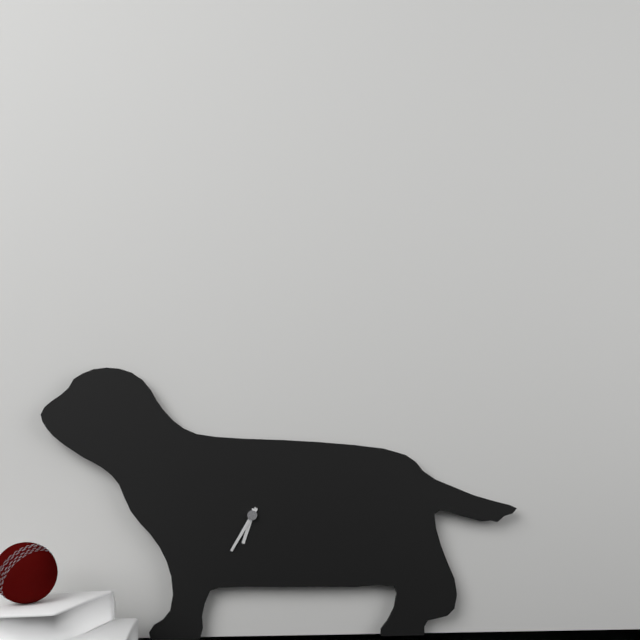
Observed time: **6:35**
